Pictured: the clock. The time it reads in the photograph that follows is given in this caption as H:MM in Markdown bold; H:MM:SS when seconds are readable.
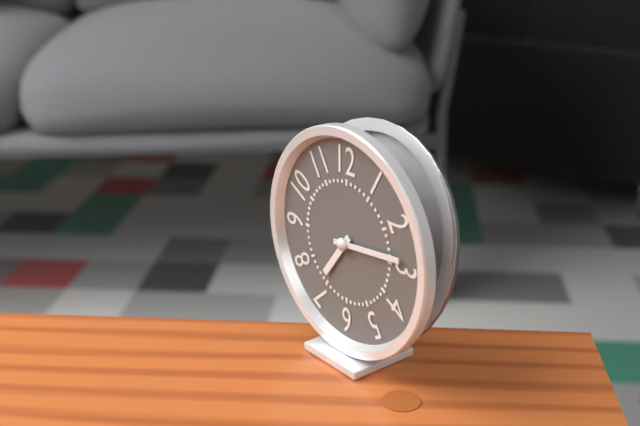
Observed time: **7:14**
